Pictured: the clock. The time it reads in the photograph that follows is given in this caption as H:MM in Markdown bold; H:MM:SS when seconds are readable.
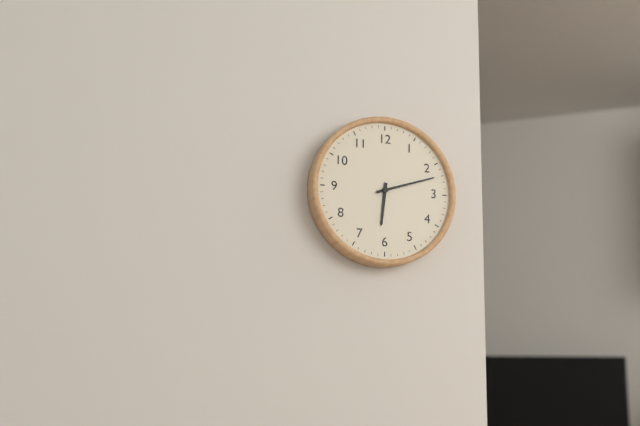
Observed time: **6:12**
